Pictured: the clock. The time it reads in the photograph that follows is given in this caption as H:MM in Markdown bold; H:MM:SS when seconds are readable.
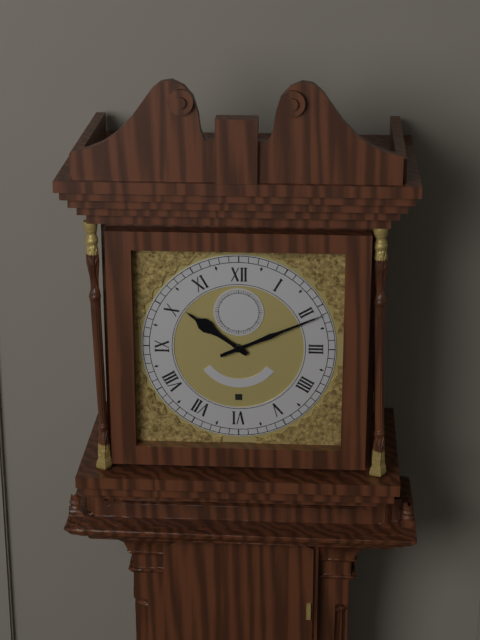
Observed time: **10:11**
